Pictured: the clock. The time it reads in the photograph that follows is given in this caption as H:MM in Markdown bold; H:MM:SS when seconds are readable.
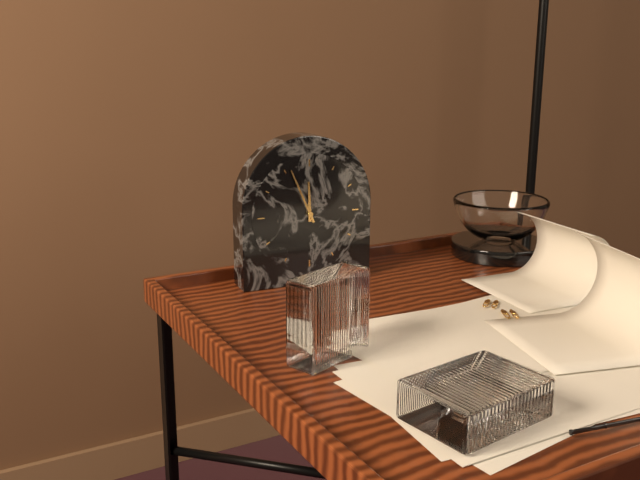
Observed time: **11:56**
